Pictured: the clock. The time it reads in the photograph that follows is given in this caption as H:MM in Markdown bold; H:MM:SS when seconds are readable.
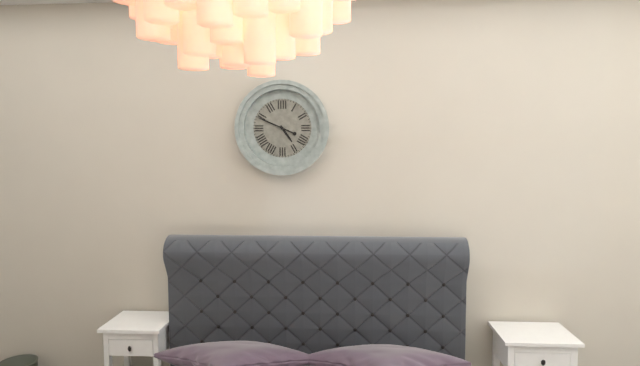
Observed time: **4:49**
